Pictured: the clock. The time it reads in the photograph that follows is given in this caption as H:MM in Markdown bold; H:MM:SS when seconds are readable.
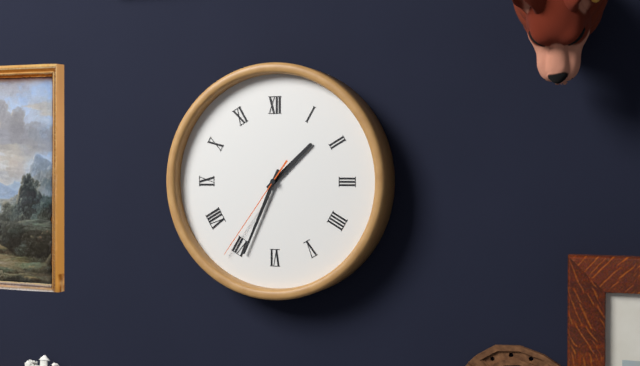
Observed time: **1:34:36**
